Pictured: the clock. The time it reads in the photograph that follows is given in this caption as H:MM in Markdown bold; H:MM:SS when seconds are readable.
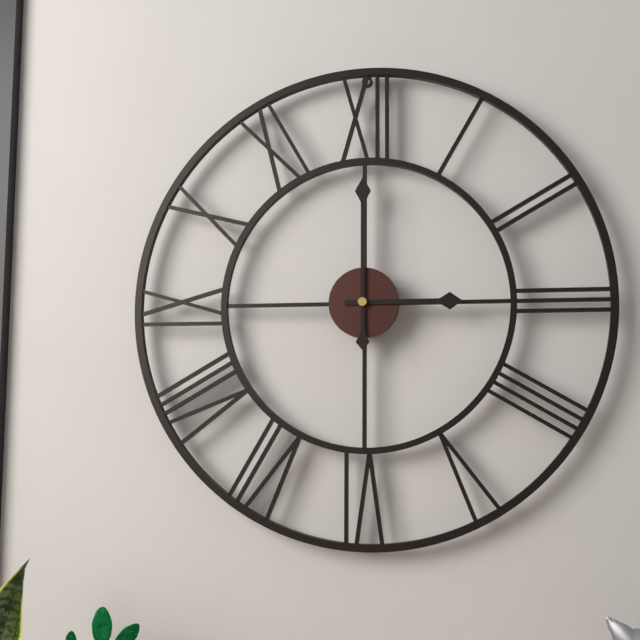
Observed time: **3:00**
